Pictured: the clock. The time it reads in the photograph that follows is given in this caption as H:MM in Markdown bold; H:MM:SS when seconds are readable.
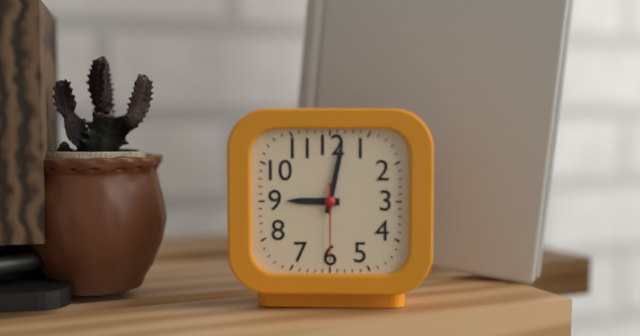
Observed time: **9:02:30**
